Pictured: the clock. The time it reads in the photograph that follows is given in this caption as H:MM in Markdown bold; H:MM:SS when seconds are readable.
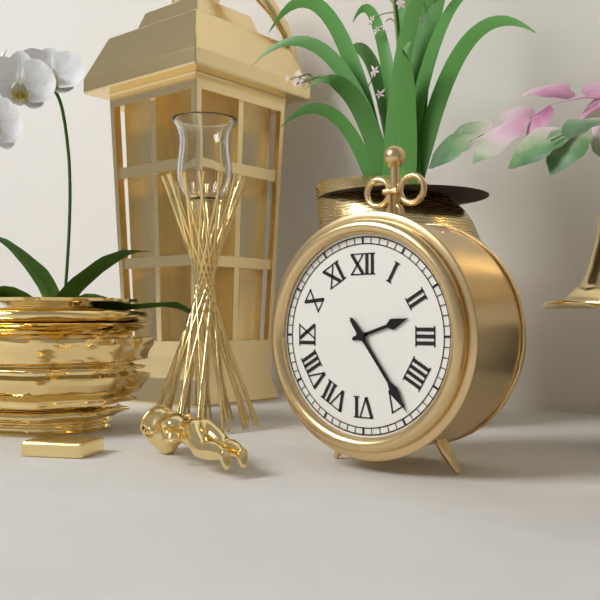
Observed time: **2:24**
